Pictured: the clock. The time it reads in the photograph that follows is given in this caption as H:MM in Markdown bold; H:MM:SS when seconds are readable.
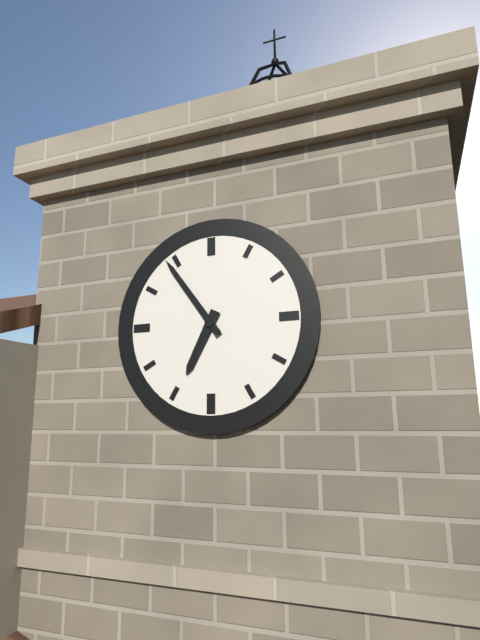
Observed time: **6:54**
